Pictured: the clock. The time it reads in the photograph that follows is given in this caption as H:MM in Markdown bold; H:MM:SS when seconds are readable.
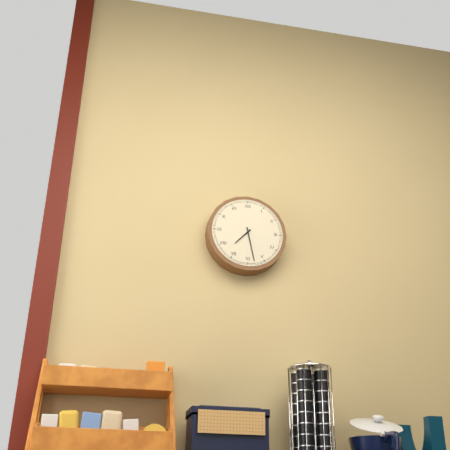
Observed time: **7:28**
